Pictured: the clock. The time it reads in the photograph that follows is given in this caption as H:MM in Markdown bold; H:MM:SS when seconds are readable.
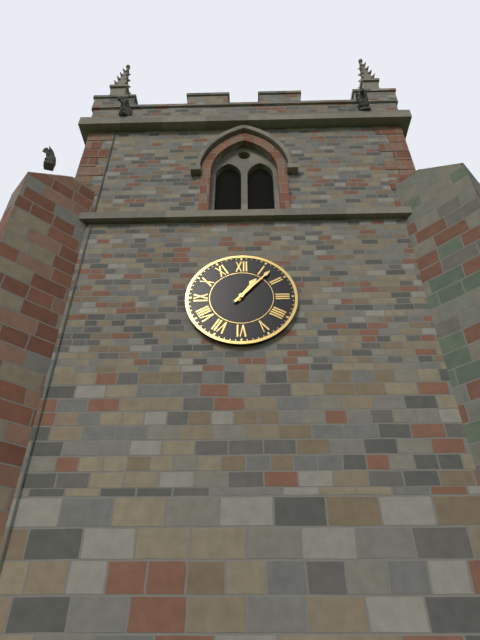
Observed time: **1:07**
